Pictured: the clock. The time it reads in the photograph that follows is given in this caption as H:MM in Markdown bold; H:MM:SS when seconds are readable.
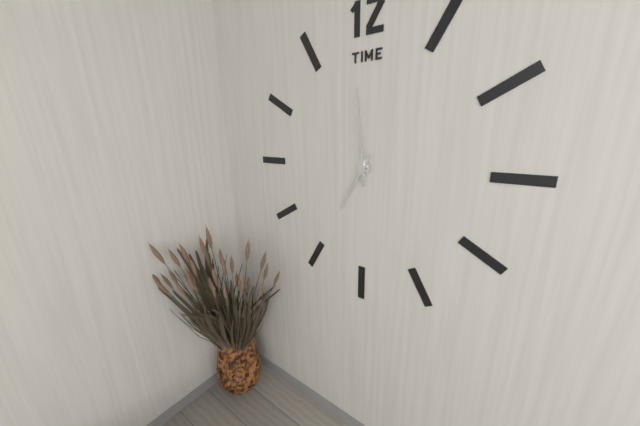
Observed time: **6:59**
